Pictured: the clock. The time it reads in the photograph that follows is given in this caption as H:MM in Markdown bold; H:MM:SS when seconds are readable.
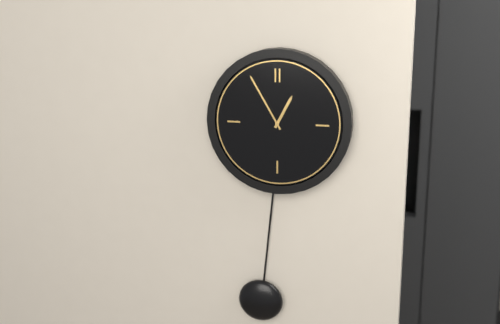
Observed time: **12:55**
